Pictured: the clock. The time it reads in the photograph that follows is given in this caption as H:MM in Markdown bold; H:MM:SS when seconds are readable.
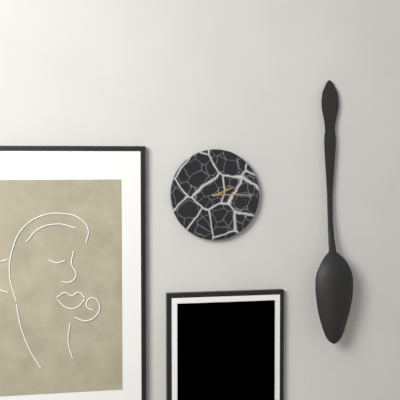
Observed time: **2:15**
